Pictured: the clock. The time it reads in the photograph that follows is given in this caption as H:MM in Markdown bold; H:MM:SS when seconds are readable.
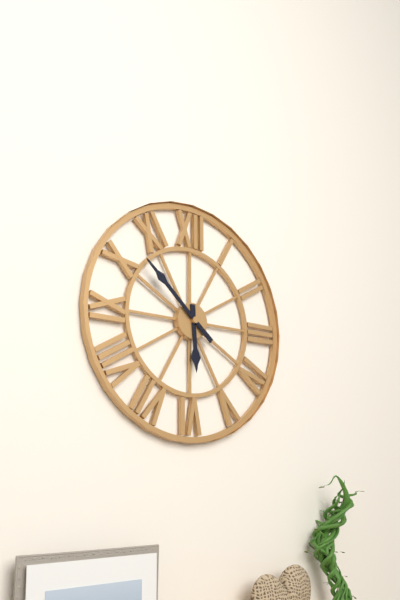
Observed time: **5:52**
